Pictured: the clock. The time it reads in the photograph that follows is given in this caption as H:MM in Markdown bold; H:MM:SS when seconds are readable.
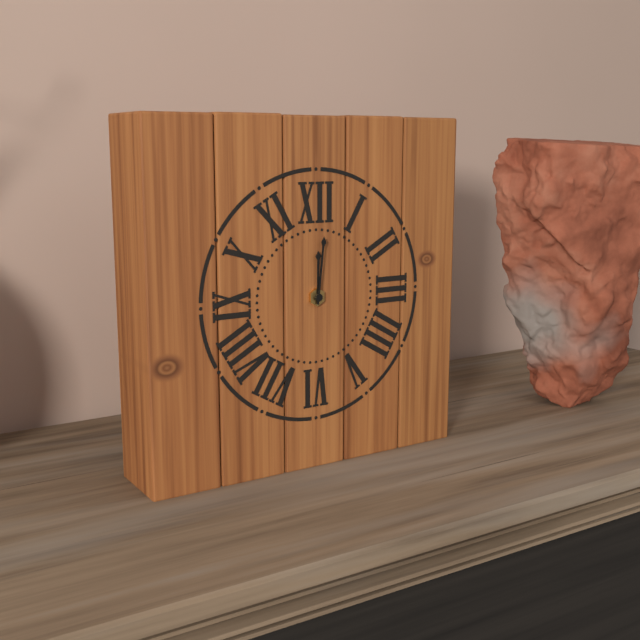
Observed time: **12:01**
